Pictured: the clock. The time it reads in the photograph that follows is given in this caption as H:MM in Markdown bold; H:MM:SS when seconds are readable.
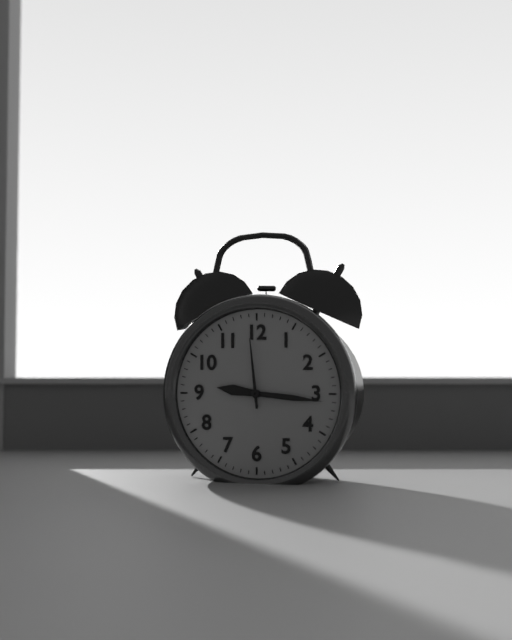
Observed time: **9:16:59**
